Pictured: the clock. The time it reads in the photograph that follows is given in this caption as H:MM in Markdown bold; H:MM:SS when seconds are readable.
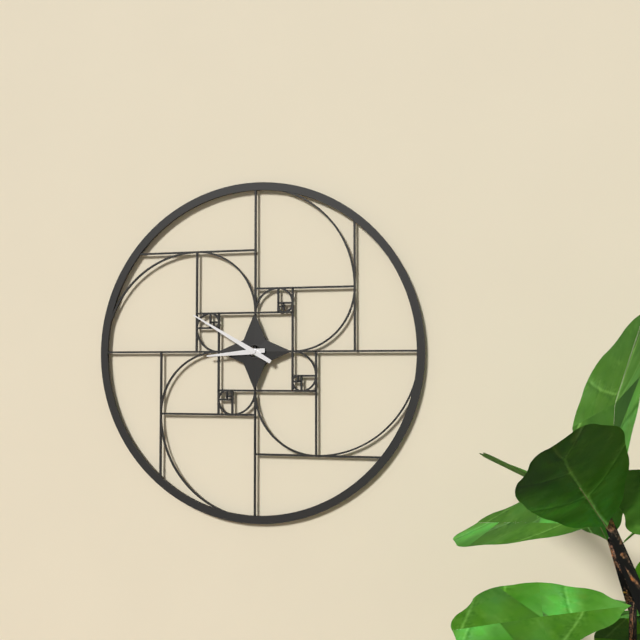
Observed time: **8:50**
